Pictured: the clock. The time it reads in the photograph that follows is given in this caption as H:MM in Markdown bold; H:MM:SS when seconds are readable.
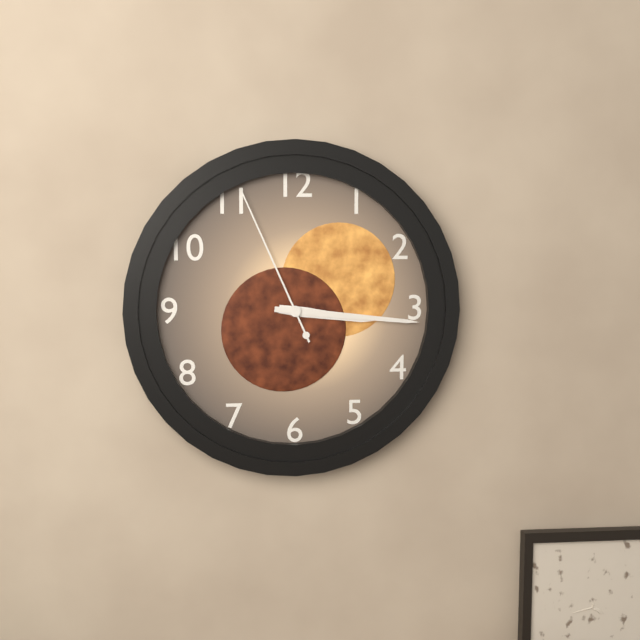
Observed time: **3:16:56**
